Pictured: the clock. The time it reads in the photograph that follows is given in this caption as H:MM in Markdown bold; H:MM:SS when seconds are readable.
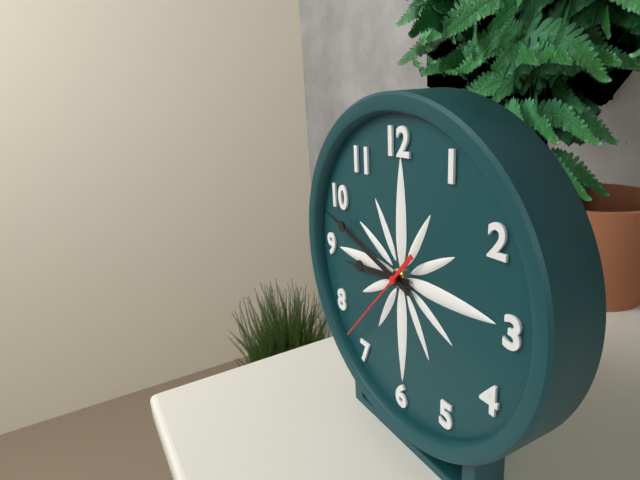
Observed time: **8:48:37**
